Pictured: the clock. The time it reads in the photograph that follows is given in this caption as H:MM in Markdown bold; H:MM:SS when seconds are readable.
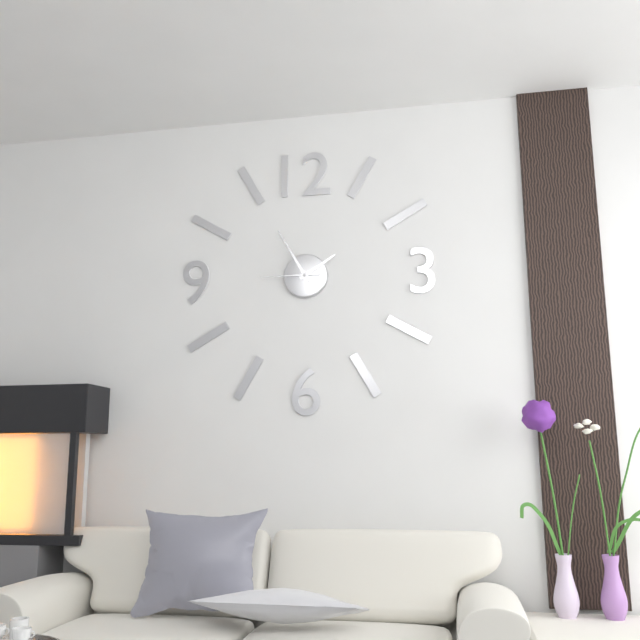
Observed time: **1:55:45**
